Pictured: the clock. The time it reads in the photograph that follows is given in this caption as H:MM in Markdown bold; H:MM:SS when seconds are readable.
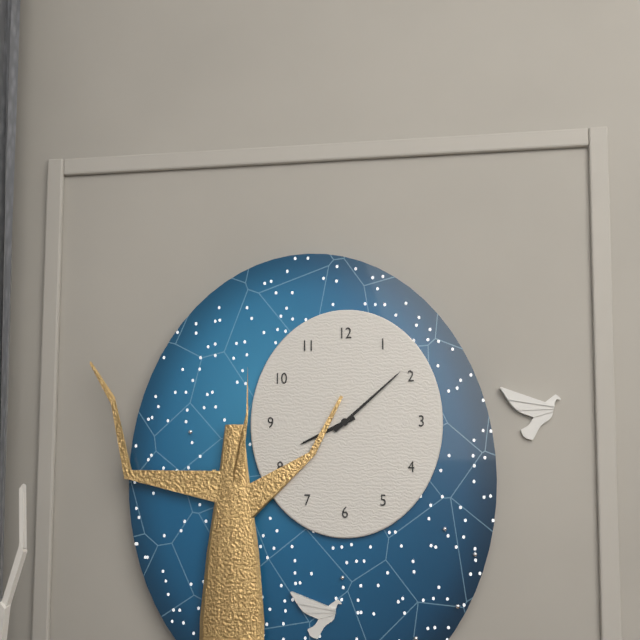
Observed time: **8:08**
